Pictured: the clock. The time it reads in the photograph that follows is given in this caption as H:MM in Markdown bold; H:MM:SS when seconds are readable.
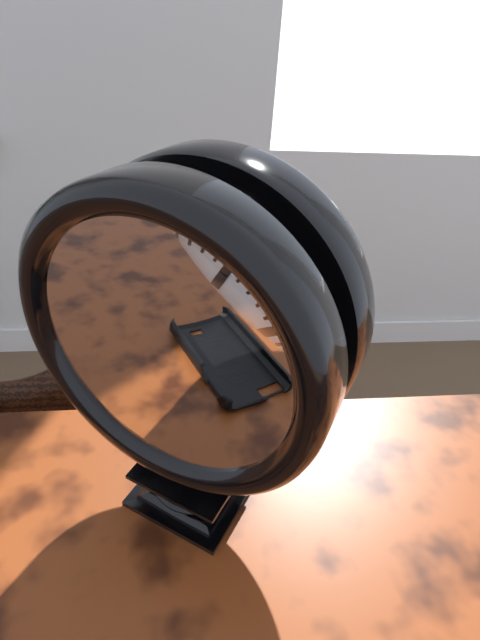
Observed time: **4:23:56**
